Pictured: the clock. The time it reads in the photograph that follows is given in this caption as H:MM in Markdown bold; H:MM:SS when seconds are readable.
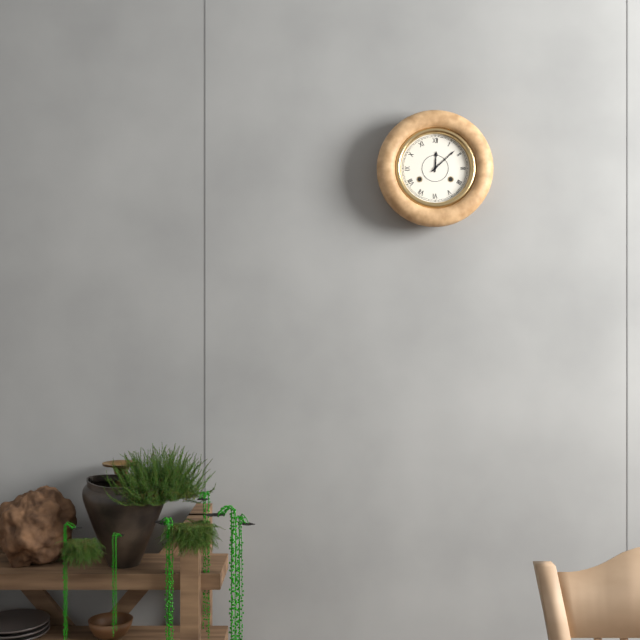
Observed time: **12:08**
